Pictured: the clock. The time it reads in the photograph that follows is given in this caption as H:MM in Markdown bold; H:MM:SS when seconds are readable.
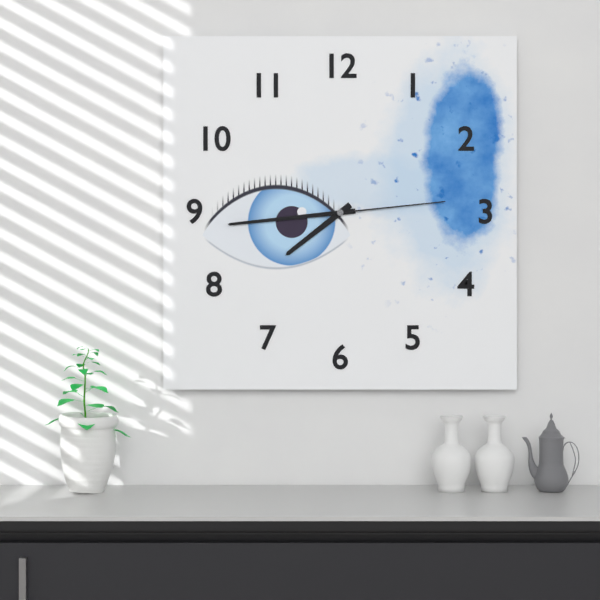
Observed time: **7:44:14**
